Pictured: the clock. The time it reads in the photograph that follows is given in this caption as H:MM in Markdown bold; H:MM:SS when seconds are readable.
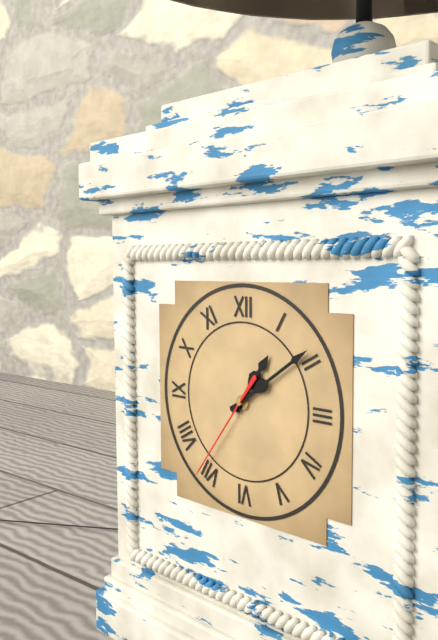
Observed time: **1:09:36**
